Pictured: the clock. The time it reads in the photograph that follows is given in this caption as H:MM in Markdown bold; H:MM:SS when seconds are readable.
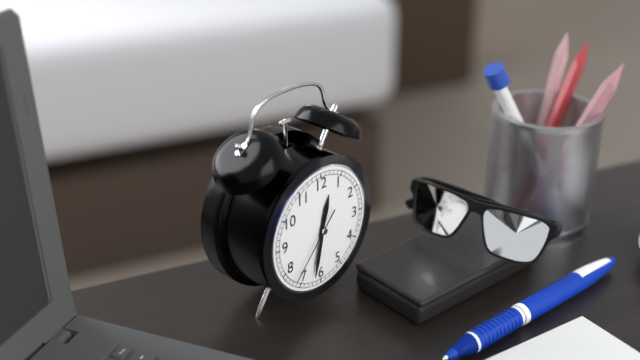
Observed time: **12:32:37**
